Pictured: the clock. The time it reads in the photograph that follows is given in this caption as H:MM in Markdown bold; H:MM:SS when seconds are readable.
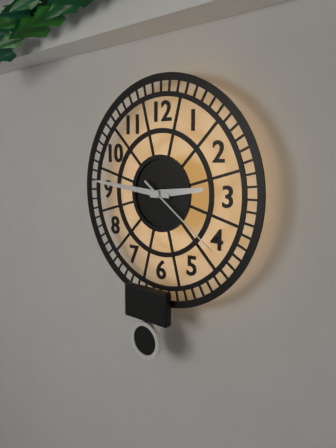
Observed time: **2:46:21**
